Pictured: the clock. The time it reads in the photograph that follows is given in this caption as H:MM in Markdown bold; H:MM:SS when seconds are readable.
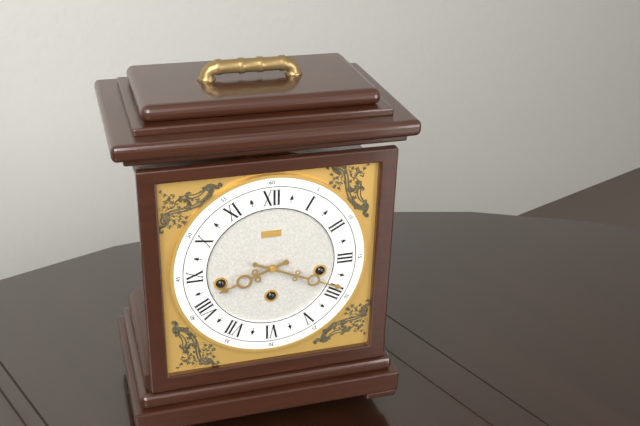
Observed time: **8:19**
